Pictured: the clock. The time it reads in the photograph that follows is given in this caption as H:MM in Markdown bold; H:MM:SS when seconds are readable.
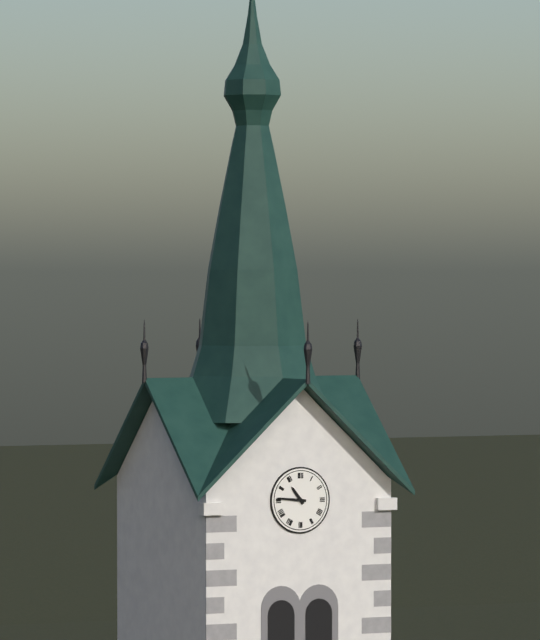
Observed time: **10:46**
